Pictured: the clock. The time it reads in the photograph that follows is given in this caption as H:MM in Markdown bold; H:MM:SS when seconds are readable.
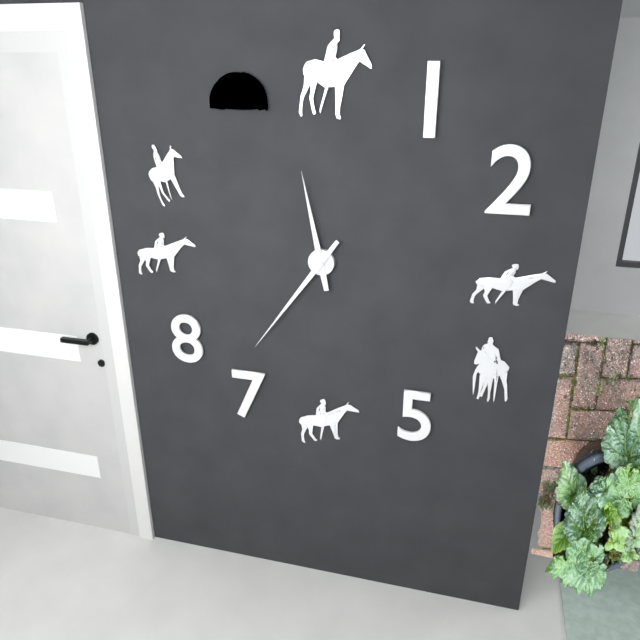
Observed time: **11:36**
